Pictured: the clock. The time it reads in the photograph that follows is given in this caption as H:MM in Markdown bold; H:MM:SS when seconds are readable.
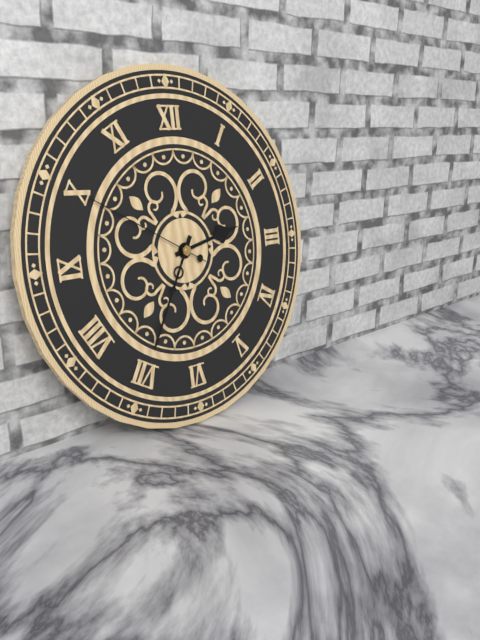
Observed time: **2:35:50**
